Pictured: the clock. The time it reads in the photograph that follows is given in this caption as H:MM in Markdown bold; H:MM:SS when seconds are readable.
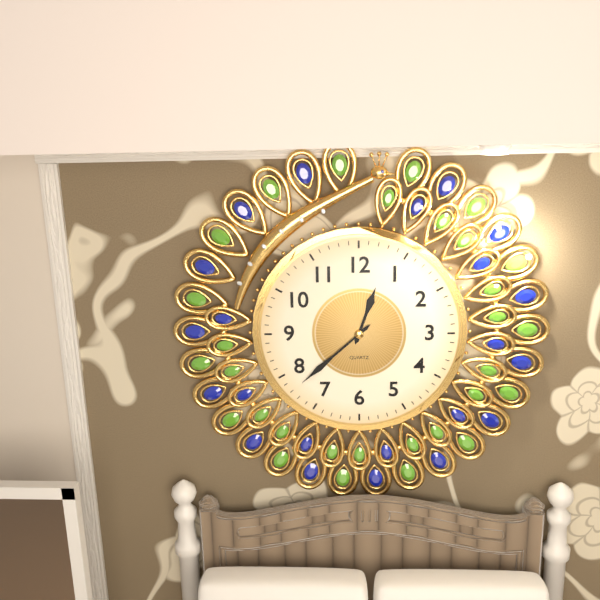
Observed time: **12:38**
